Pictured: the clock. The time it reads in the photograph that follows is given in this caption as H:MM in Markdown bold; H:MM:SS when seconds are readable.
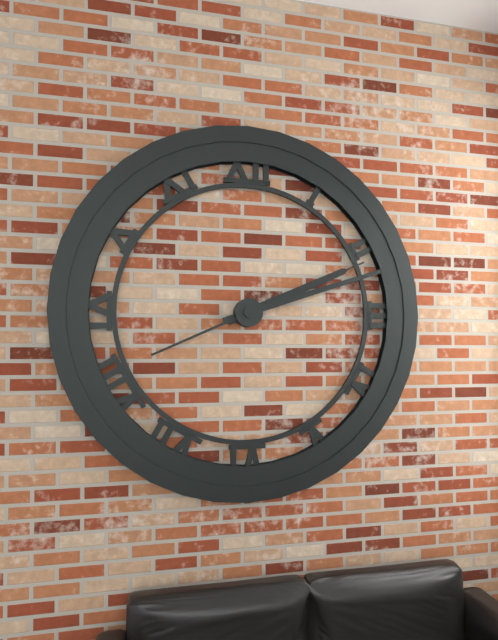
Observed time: **2:12:11**
